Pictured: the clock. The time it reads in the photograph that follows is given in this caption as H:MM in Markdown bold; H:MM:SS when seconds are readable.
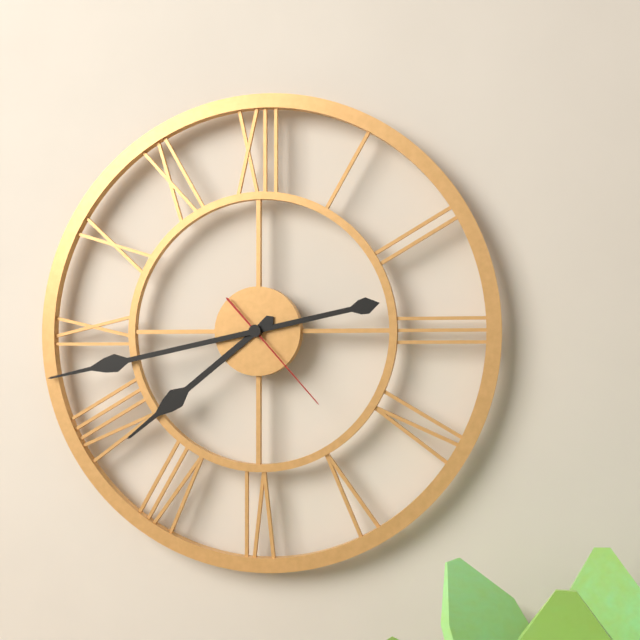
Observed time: **7:43:23**
